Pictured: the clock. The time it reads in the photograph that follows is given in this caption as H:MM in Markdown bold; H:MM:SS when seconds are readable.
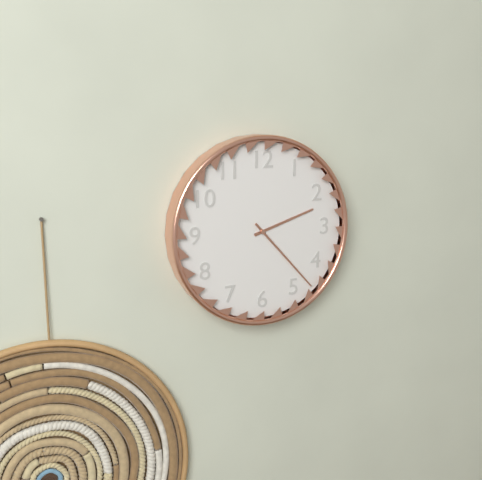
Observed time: **2:23**
